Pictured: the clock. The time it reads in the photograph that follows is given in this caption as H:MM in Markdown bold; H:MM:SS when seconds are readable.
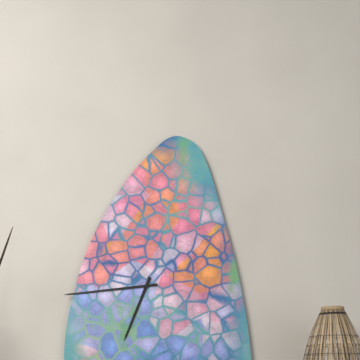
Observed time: **6:44**
